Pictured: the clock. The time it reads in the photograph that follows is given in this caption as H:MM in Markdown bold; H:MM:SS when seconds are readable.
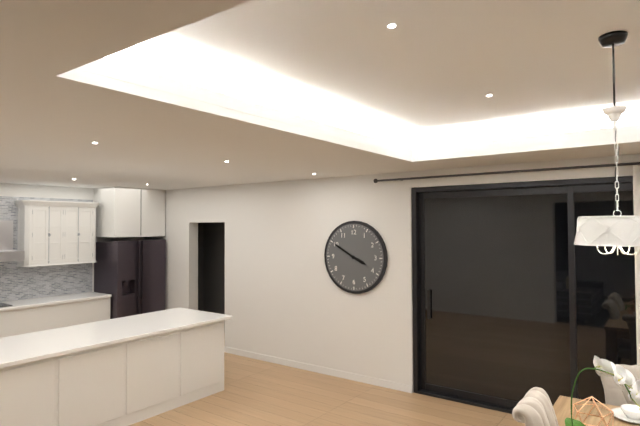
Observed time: **3:50**
